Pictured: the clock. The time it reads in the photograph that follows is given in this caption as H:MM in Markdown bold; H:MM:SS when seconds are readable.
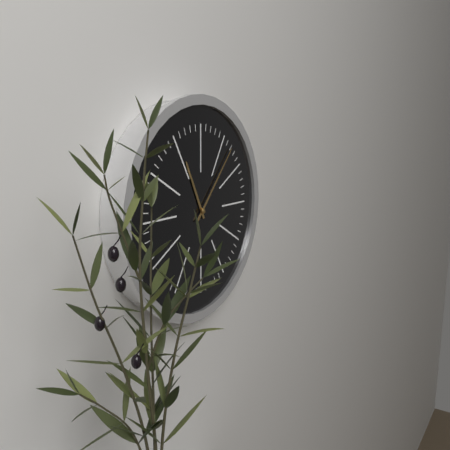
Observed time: **11:07**
